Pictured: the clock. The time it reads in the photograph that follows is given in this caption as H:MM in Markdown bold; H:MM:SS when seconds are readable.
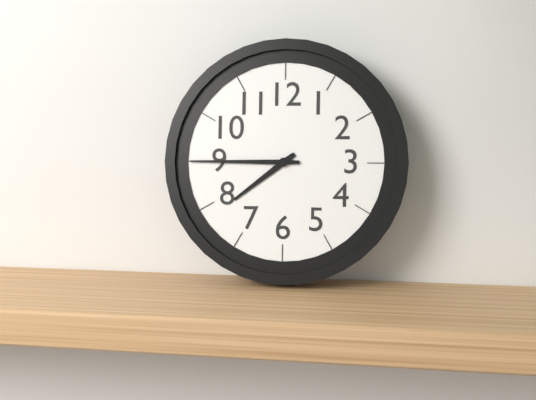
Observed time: **7:45**
